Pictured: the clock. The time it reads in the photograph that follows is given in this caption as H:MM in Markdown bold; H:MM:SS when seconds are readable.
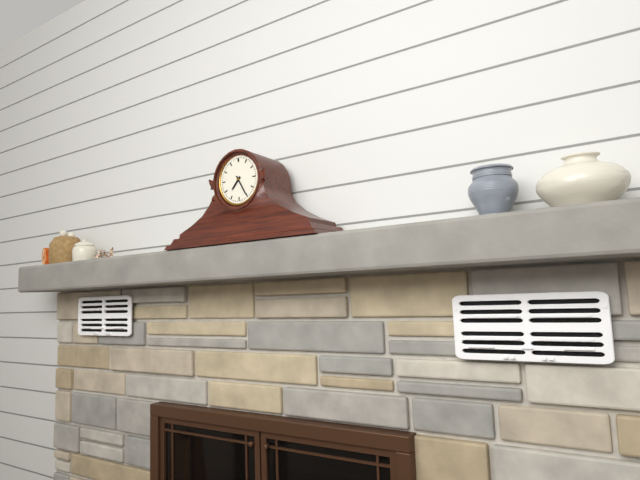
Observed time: **7:25**
